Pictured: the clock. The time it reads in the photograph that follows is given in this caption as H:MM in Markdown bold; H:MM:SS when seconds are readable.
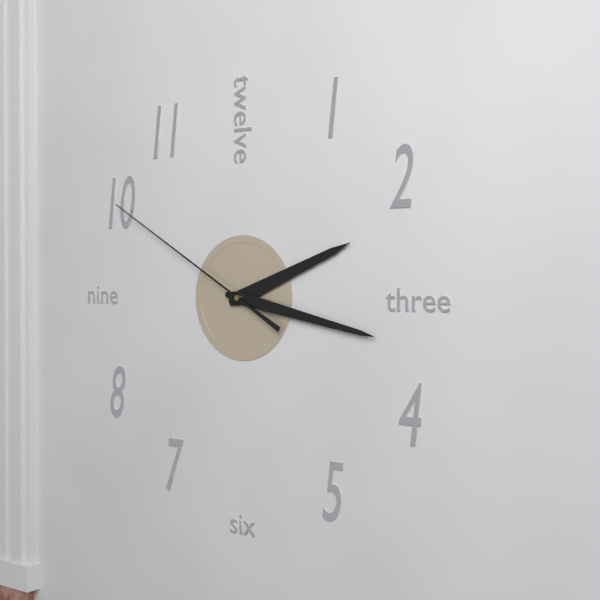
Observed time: **2:17:50**
